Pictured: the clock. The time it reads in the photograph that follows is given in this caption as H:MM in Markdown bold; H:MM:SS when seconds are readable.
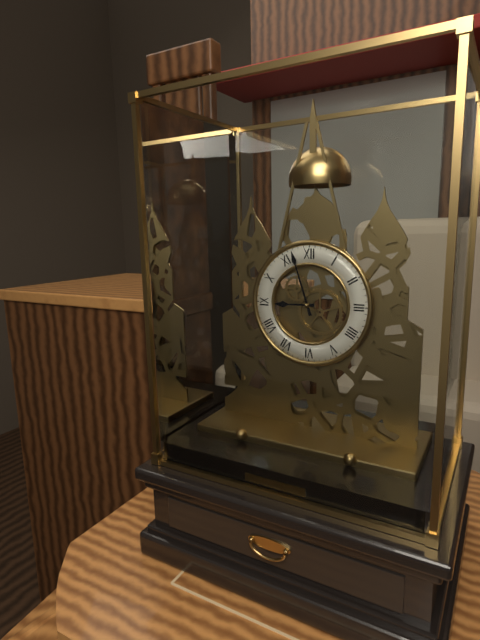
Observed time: **8:57**
